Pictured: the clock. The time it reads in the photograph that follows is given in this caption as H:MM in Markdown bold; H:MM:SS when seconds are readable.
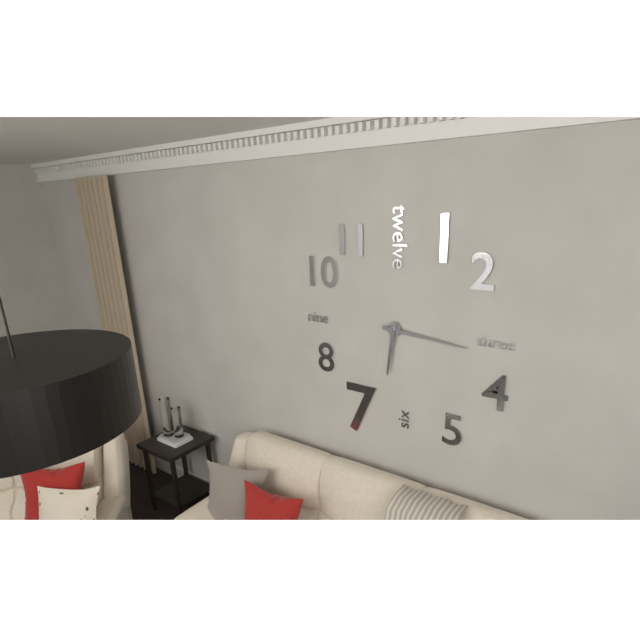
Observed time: **6:16**
